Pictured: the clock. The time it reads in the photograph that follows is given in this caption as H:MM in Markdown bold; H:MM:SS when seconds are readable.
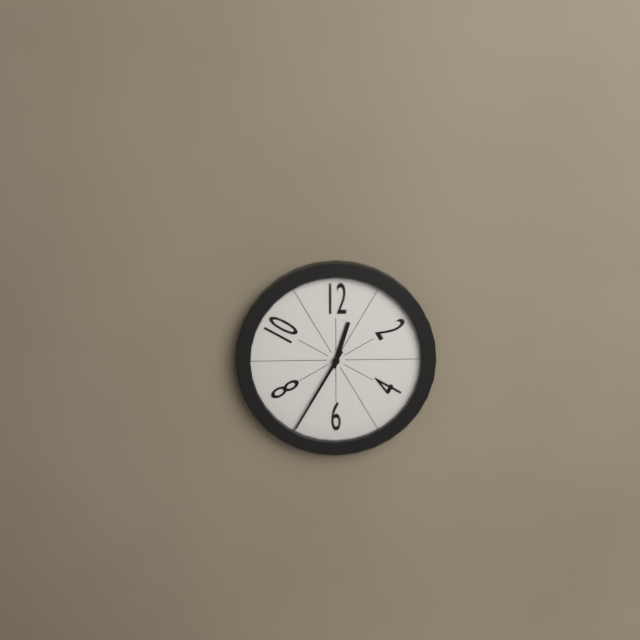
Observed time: **12:35**
